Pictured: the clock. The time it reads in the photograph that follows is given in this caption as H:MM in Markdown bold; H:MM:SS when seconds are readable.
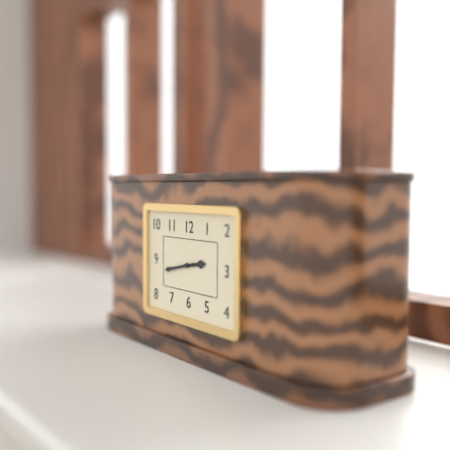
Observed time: **2:43**
